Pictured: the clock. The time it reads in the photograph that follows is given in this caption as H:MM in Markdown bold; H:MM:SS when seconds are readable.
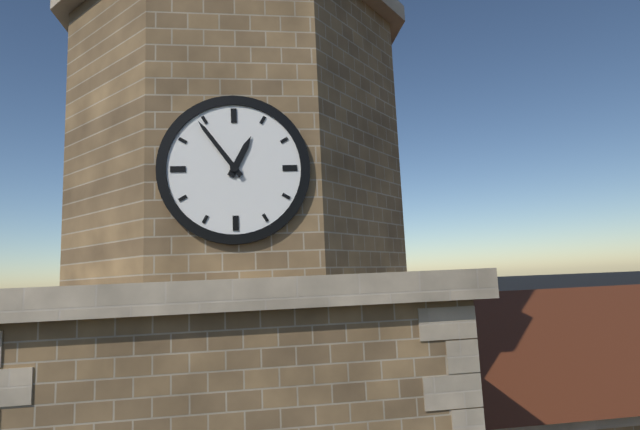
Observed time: **12:54**
